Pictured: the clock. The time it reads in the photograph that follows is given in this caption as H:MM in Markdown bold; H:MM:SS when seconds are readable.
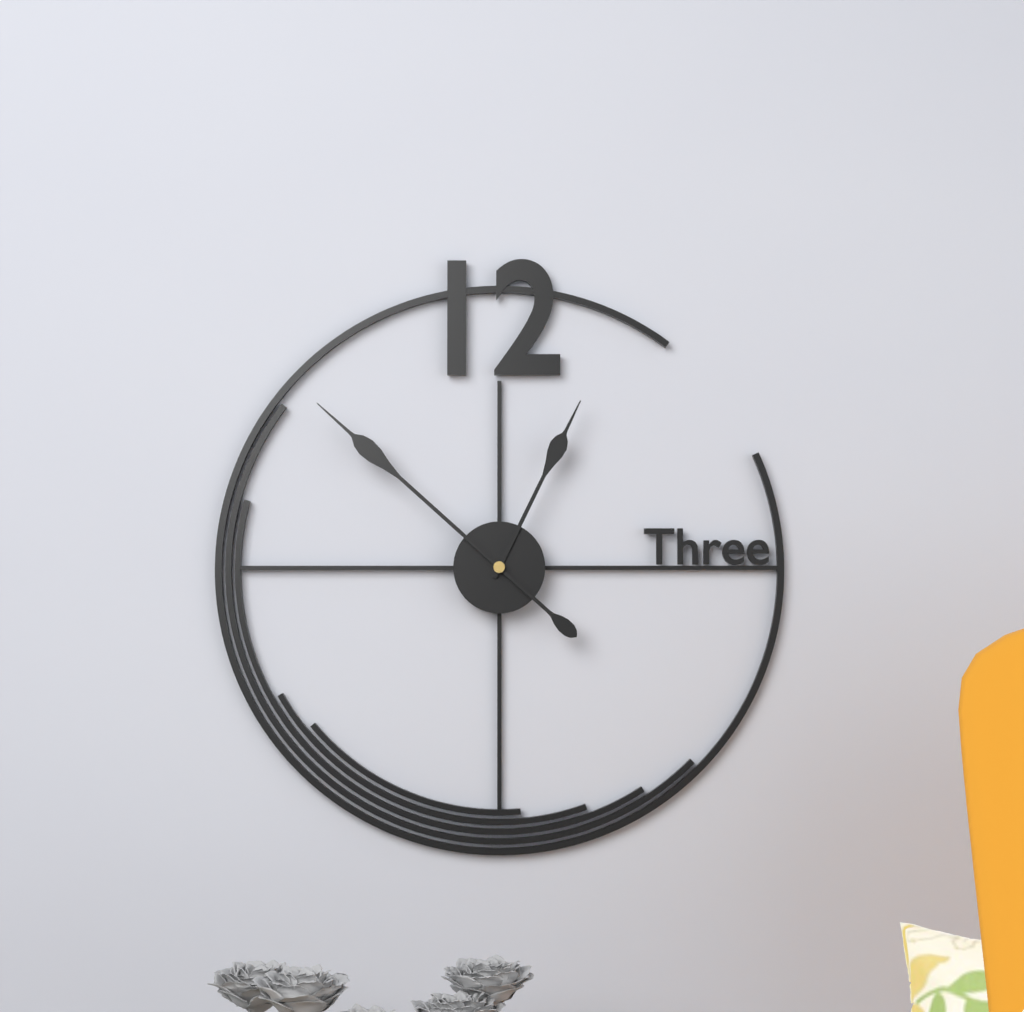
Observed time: **12:52**
